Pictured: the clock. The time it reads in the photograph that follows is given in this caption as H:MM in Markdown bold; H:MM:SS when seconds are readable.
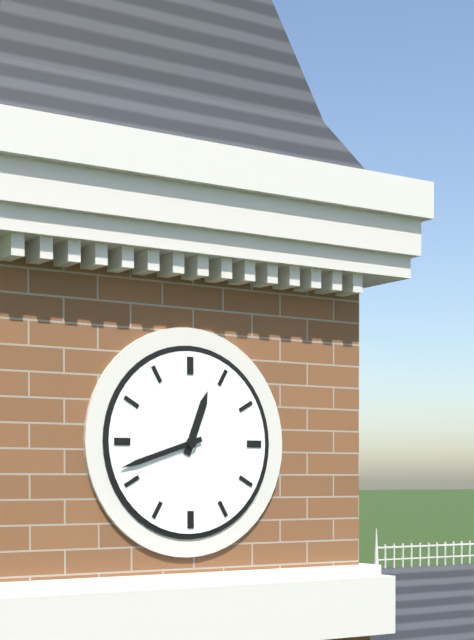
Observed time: **12:42**
